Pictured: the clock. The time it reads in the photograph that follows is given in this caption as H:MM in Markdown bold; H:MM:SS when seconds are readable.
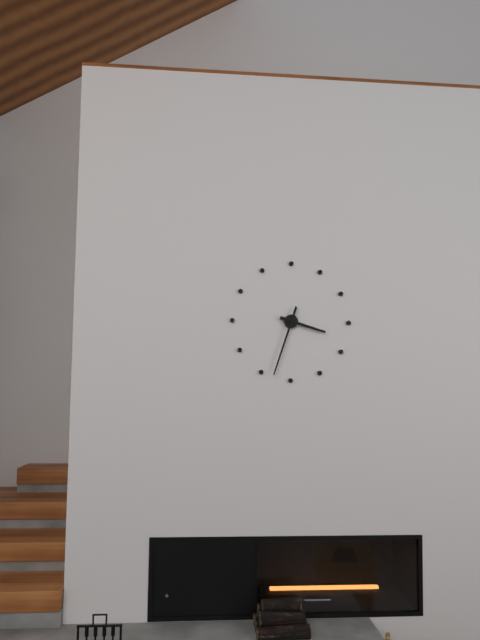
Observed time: **3:33**
